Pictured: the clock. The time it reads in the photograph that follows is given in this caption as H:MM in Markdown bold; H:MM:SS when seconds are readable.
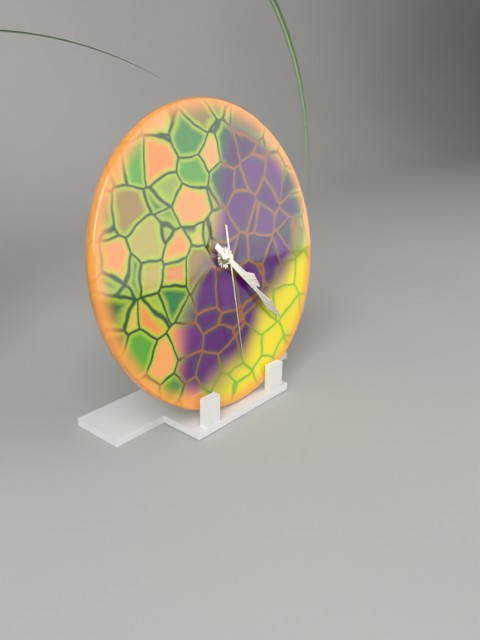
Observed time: **4:23:30**
